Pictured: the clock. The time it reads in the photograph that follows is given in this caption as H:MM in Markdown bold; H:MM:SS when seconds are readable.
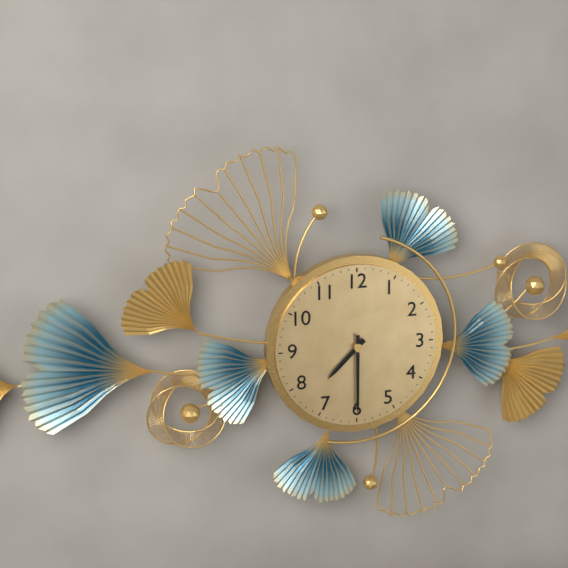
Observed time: **7:30**
